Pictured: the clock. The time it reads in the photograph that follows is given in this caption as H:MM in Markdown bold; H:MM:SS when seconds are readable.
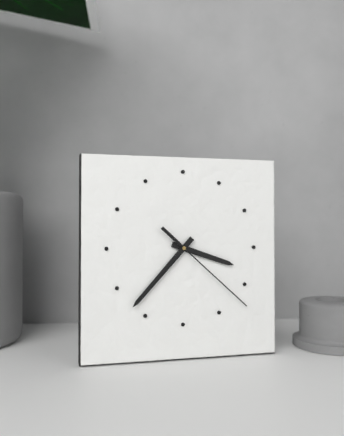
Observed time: **3:37:22**
